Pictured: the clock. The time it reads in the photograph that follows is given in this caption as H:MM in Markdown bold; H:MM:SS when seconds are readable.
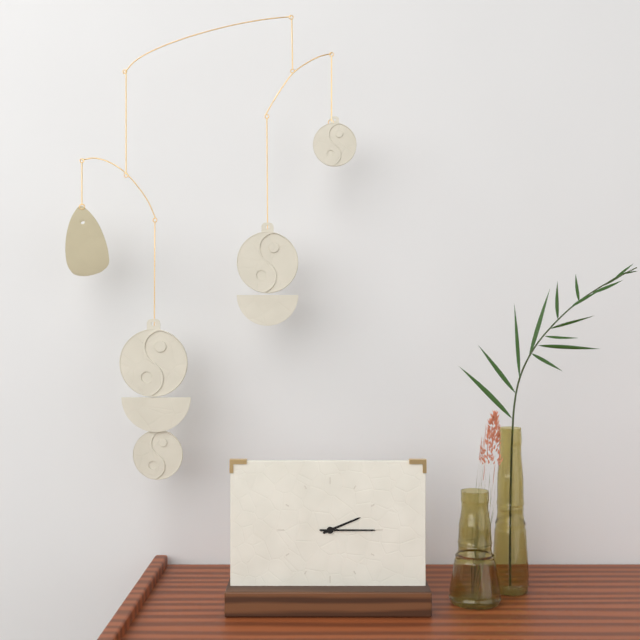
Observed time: **2:15**
